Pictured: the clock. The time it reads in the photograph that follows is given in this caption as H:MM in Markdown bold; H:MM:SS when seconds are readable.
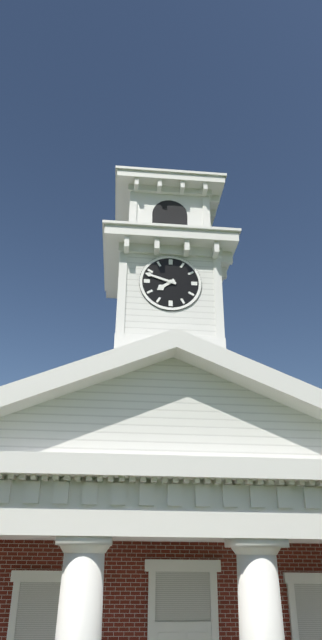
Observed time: **7:48**
